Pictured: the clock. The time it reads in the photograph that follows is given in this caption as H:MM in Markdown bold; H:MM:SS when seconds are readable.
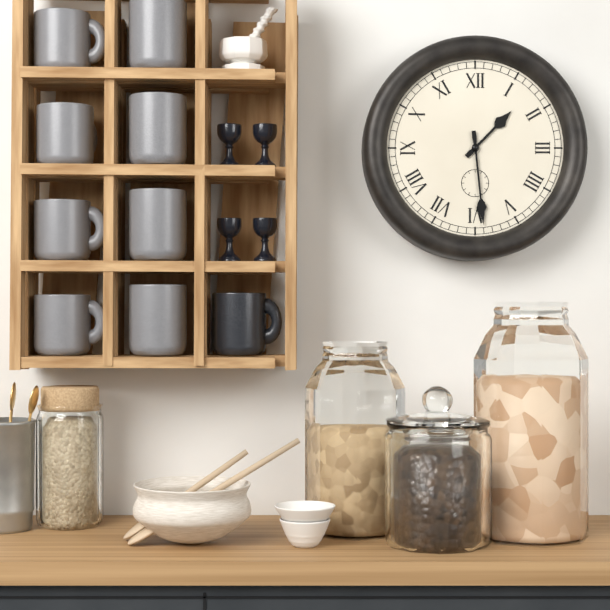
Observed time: **1:29**
